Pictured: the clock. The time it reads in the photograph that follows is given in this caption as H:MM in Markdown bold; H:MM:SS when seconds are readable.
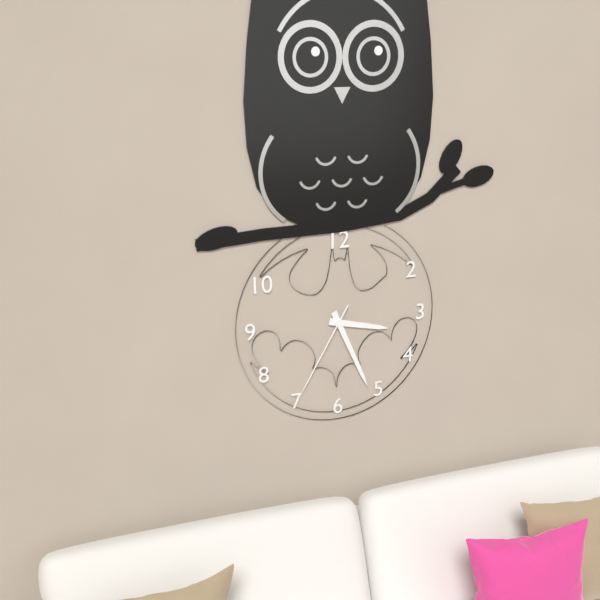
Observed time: **3:26:35**
